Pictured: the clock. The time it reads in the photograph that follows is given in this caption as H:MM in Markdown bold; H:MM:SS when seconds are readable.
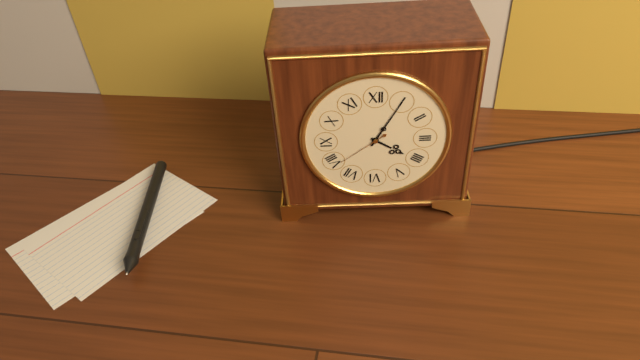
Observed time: **4:05:39**
